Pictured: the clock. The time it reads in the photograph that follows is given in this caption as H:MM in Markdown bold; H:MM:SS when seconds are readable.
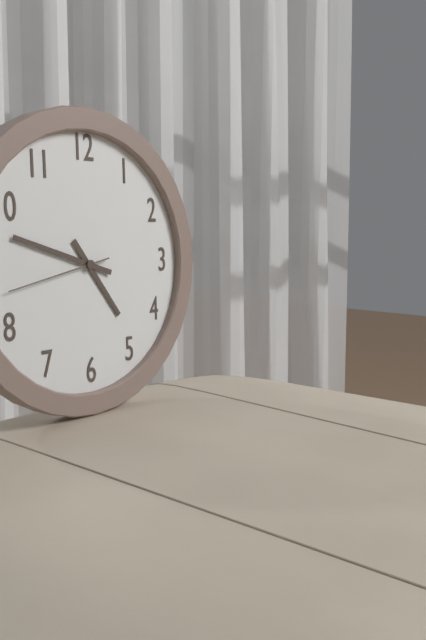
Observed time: **4:48:43**
